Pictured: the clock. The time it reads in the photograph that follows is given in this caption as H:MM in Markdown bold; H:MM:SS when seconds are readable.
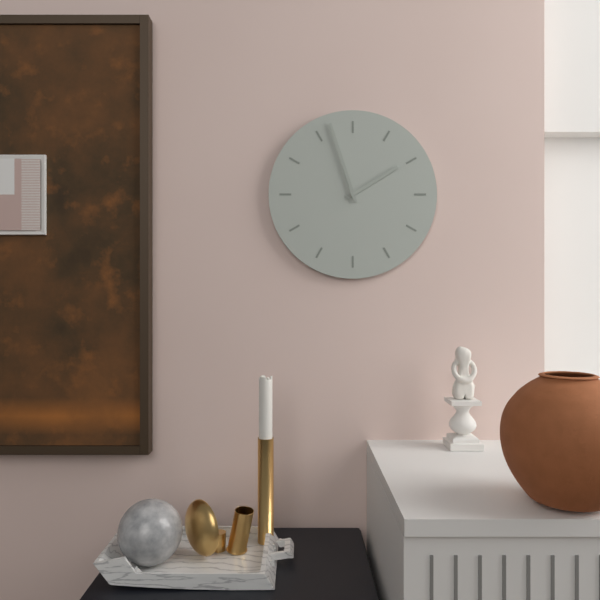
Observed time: **1:57**
